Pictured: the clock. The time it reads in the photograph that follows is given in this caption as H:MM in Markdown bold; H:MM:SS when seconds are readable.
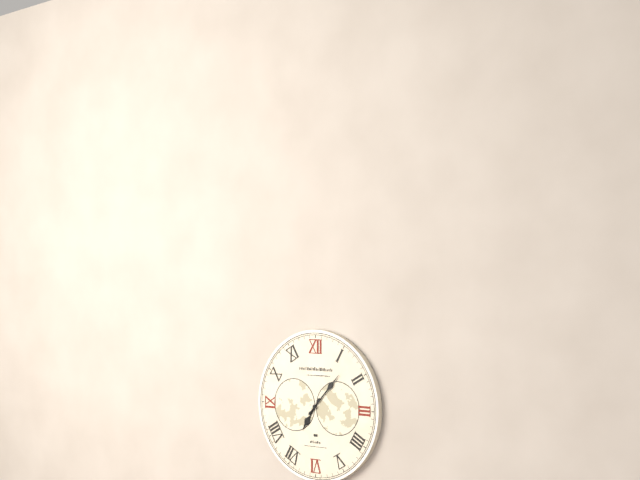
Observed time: **7:07**
